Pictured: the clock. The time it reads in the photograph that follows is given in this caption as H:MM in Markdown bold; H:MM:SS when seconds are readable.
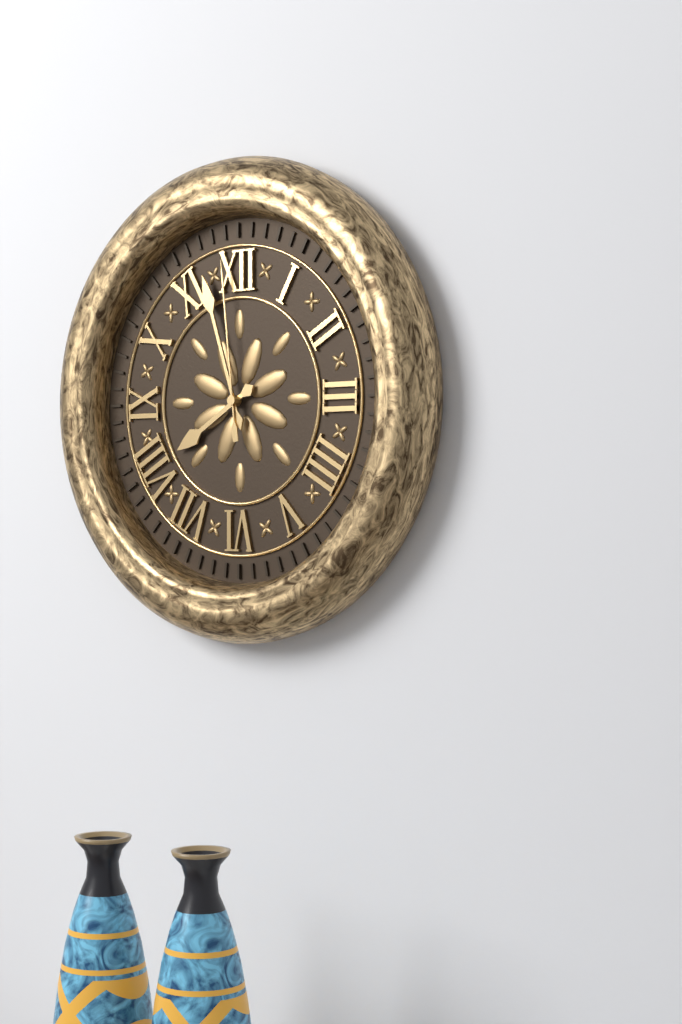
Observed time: **7:57:59**
